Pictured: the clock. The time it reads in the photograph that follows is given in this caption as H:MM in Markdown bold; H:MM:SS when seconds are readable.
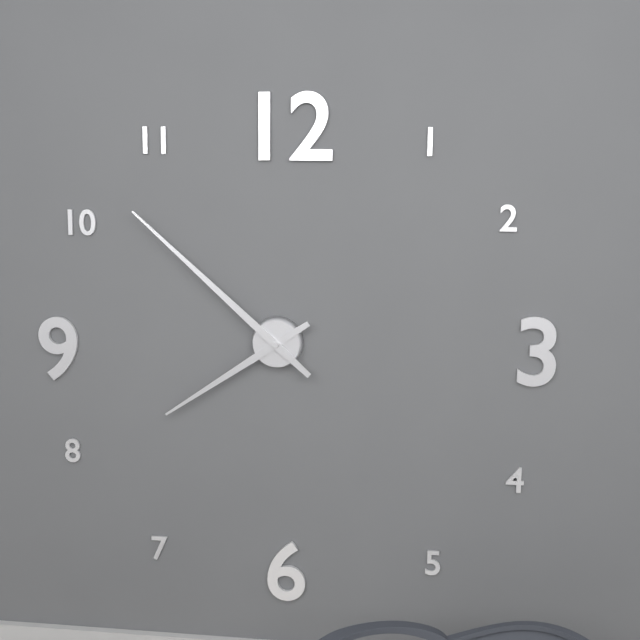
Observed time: **7:52**
